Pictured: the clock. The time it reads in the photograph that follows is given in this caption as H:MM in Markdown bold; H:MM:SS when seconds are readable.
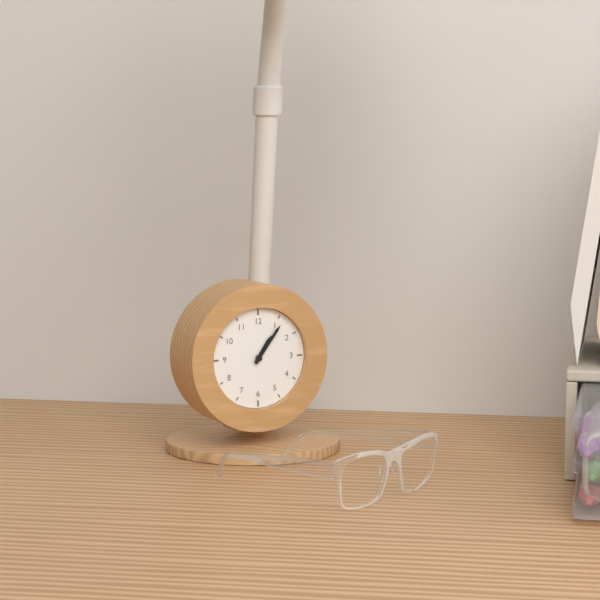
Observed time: **1:06**
